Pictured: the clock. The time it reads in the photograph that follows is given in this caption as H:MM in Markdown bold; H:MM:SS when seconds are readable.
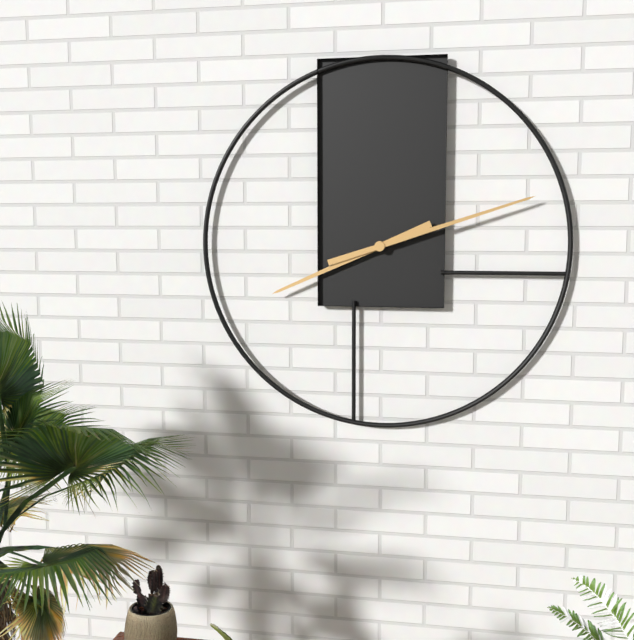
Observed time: **8:12**
